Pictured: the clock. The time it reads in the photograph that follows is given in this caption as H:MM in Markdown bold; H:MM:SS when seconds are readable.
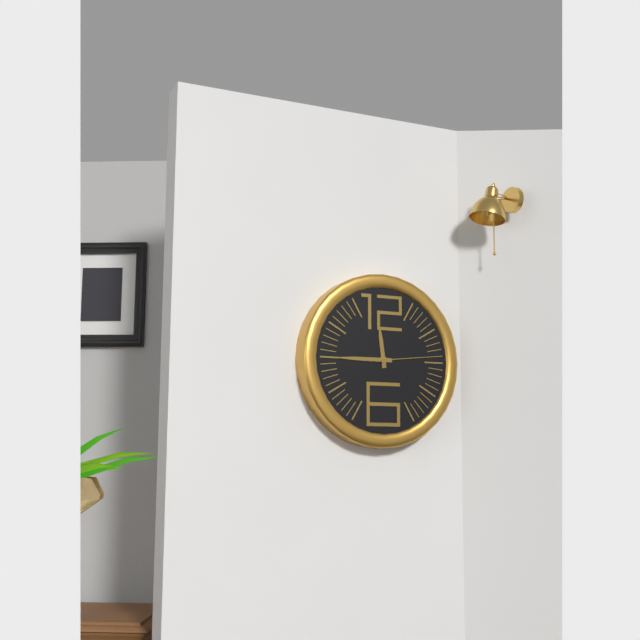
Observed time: **11:45:14**
